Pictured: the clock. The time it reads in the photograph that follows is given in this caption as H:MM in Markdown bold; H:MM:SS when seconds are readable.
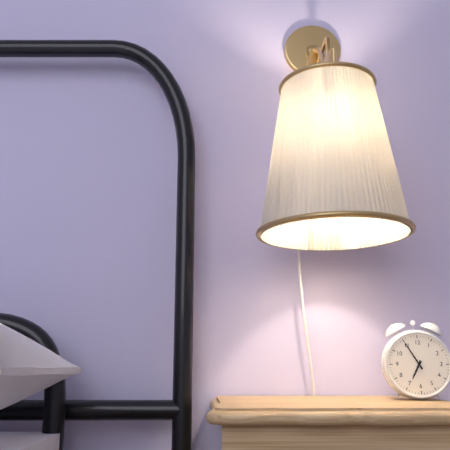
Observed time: **6:55**
